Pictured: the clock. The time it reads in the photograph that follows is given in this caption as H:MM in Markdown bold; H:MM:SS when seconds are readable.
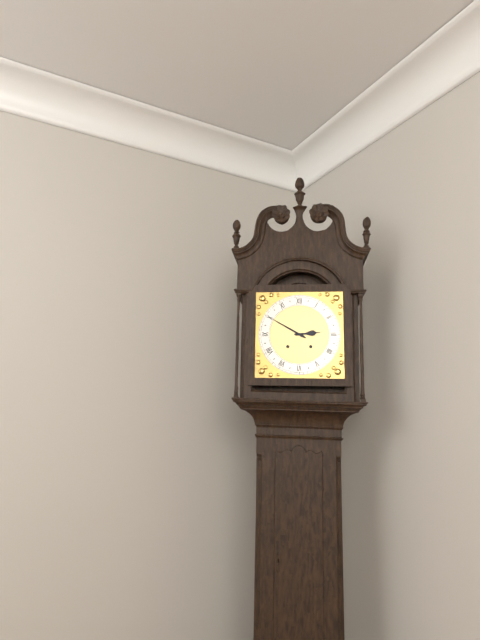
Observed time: **2:50**
